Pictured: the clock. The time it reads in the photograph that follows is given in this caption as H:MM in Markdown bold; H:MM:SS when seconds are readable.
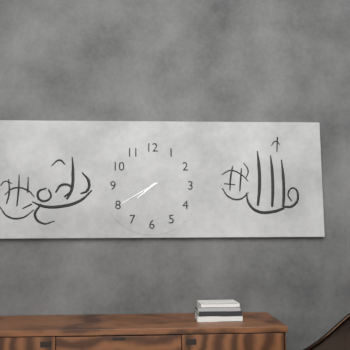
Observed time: **7:40**
